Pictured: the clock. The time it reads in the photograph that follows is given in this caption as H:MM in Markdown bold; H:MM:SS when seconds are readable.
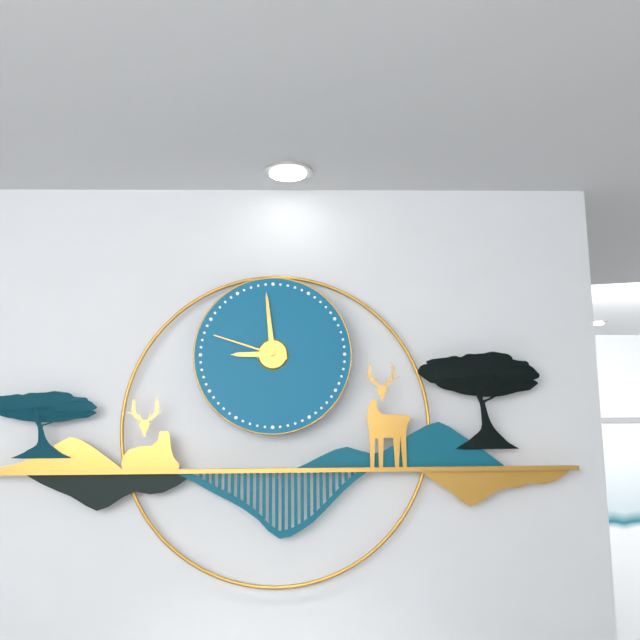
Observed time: **8:59:48**
